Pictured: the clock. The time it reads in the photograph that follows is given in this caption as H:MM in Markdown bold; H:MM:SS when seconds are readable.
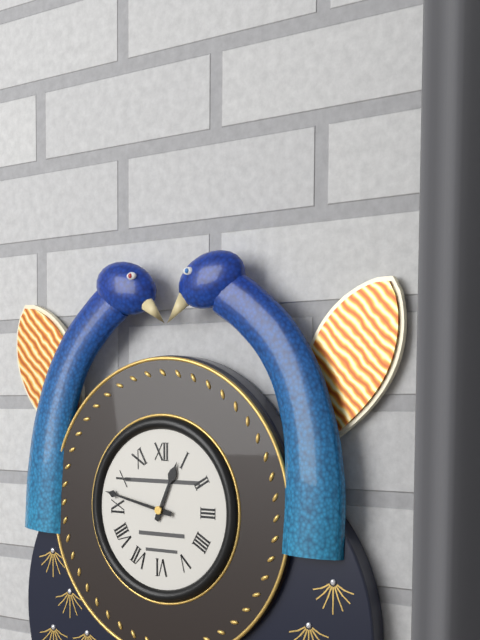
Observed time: **12:47**
